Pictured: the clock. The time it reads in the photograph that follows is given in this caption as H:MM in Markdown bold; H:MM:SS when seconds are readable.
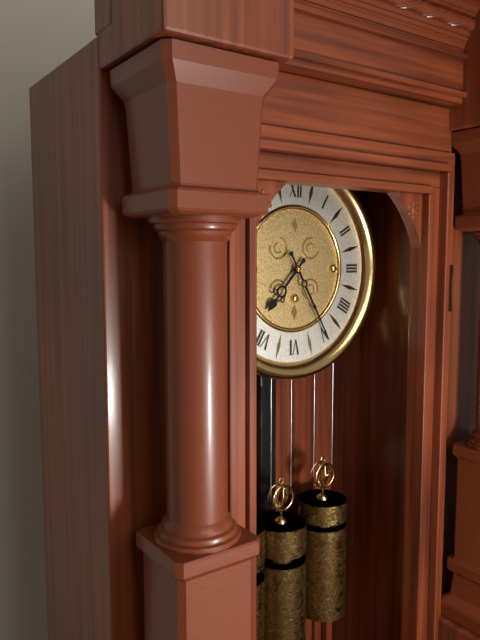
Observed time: **7:25**
